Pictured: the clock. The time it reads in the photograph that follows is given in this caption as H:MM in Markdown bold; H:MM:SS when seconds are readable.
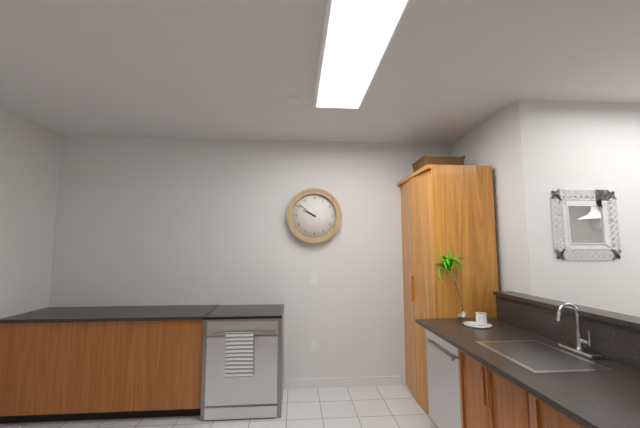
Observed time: **9:51**
